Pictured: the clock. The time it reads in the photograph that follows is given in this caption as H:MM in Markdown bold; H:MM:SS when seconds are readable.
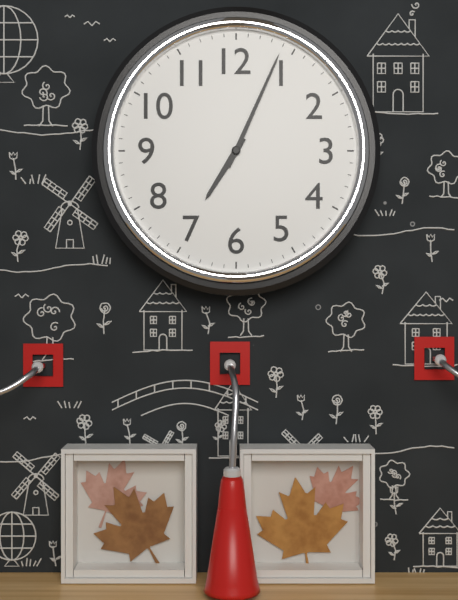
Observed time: **7:04**
